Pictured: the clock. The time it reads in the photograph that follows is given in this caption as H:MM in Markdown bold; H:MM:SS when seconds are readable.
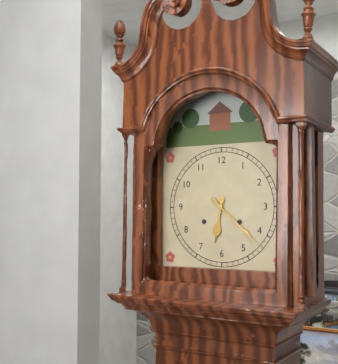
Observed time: **6:22**
